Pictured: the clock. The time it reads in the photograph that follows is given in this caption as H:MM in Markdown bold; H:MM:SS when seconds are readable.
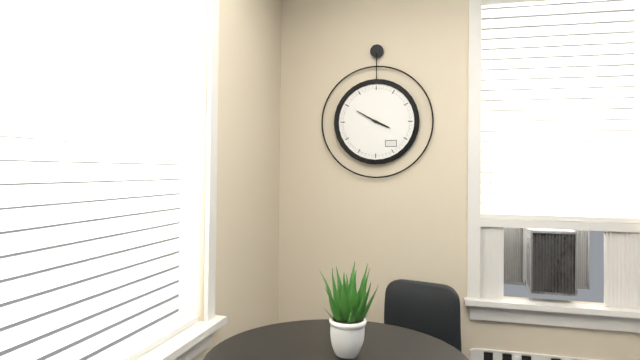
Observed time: **3:50**
